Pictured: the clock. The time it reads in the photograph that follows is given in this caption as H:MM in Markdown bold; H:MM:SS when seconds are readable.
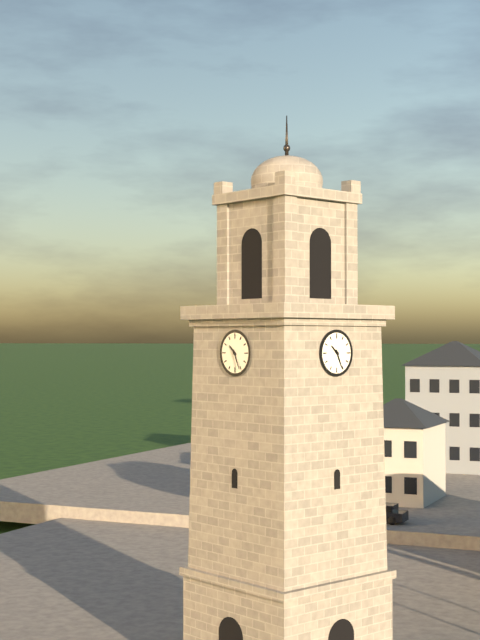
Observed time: **10:26**
